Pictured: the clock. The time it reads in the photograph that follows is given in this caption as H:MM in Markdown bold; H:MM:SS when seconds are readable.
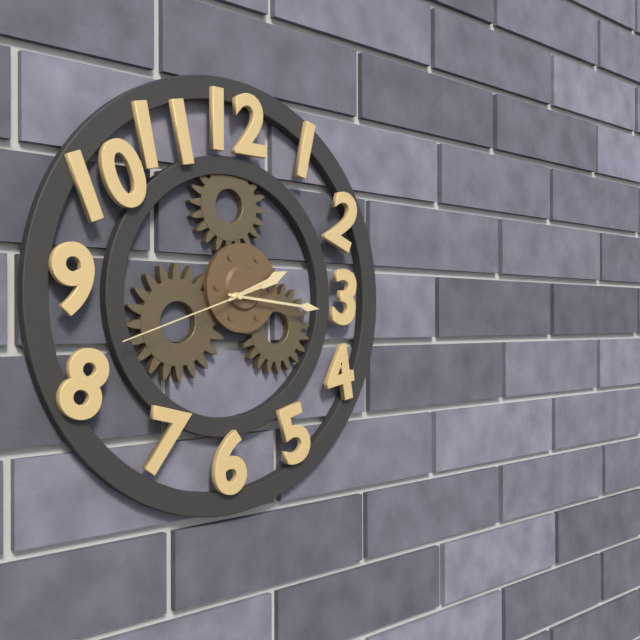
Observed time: **2:16:42**
